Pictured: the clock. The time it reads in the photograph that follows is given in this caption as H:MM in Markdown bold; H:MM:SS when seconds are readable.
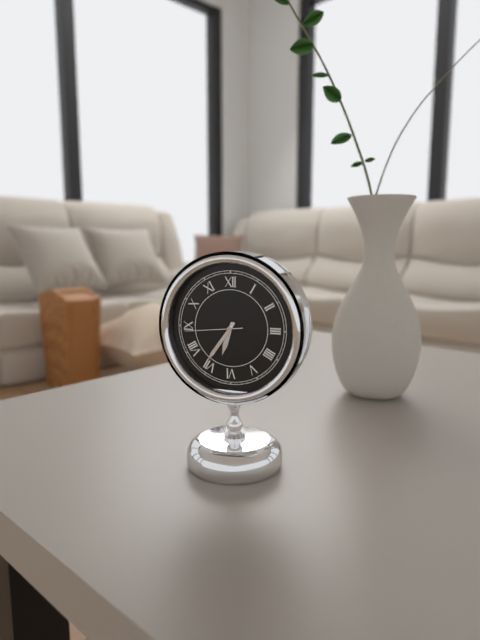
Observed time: **6:36:44**
